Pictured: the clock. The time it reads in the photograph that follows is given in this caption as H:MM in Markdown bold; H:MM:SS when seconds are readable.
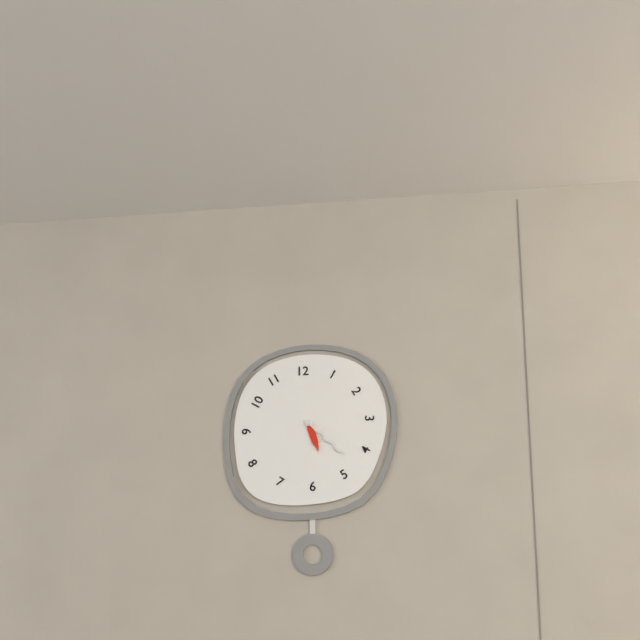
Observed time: **5:22**
